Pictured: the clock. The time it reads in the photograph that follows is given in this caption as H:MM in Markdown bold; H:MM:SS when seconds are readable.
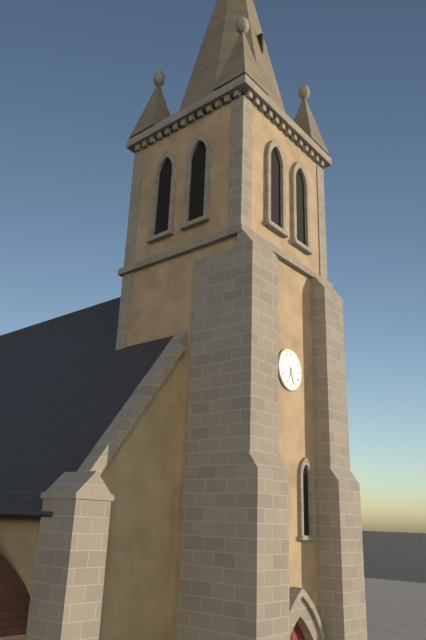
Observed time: **6:27**
